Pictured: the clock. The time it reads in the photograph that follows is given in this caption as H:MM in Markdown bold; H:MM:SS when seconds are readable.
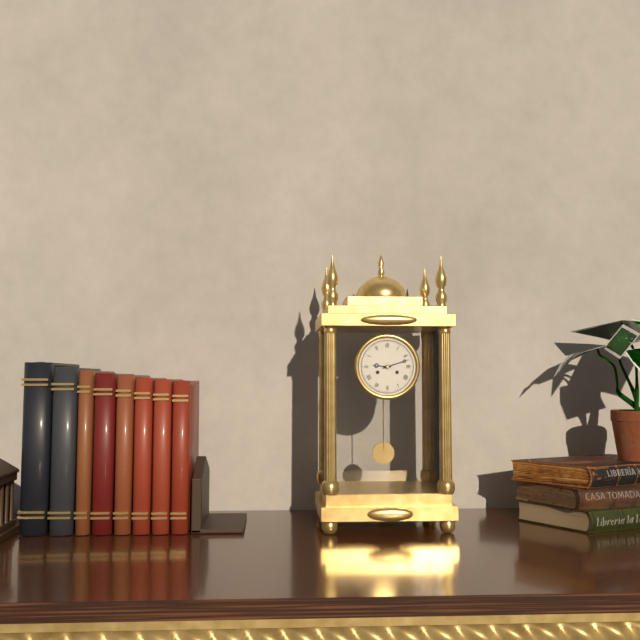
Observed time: **9:12**
